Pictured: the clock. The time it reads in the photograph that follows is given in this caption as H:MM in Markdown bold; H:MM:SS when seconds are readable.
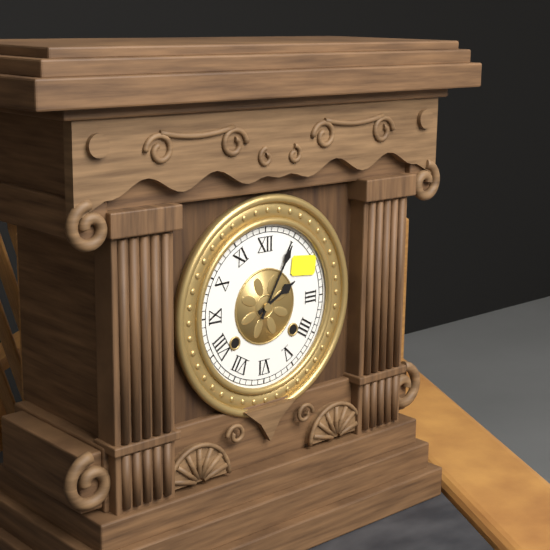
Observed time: **2:05**
